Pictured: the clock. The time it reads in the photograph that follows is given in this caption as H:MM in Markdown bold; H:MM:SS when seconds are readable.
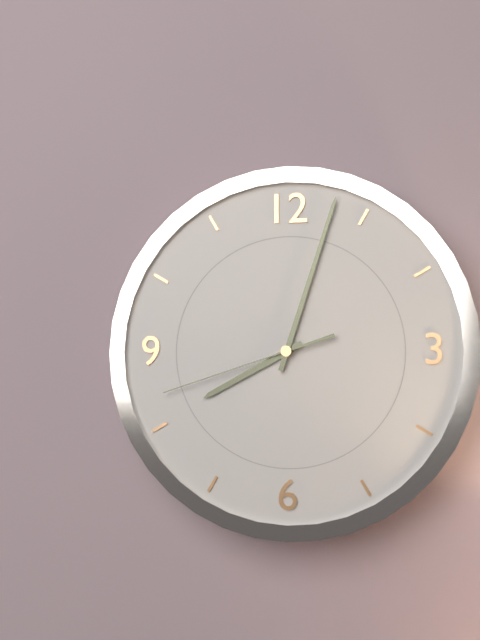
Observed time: **8:03:42**
